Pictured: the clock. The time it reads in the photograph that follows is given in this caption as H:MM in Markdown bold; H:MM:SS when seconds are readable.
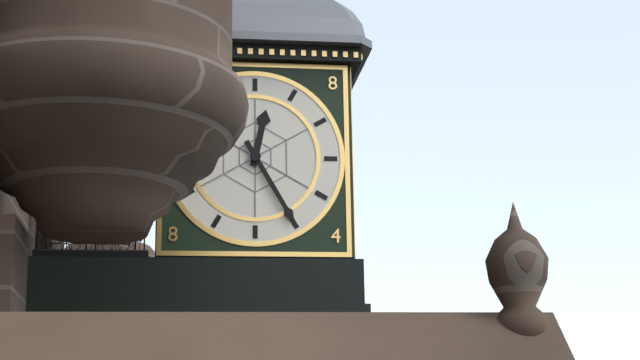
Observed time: **12:25**
